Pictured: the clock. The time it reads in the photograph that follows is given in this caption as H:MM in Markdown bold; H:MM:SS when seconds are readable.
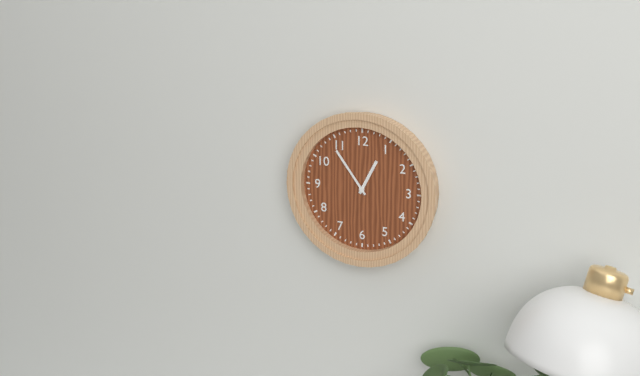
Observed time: **12:54**
